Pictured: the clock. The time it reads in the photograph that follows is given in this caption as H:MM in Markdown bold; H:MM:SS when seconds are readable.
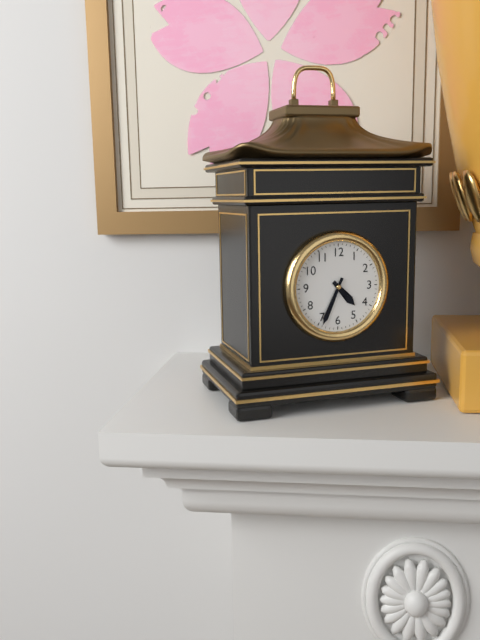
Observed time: **4:34**
